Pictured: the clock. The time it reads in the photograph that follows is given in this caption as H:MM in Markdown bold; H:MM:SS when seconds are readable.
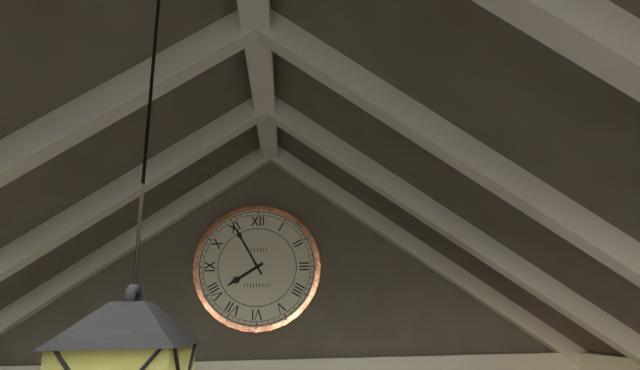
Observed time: **7:55**
